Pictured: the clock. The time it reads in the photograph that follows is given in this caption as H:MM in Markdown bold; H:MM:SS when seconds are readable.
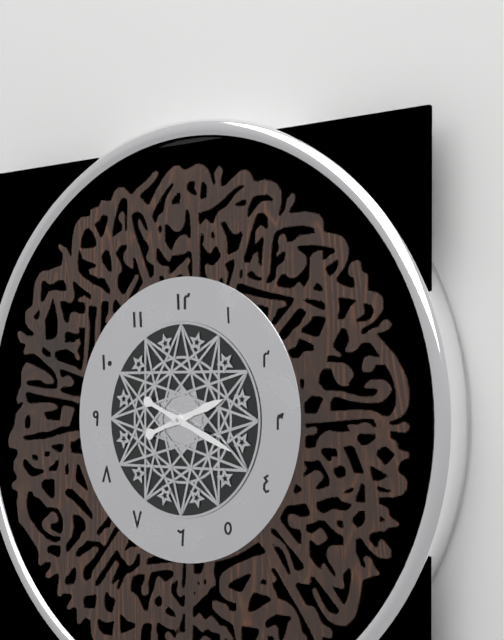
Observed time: **2:19**
